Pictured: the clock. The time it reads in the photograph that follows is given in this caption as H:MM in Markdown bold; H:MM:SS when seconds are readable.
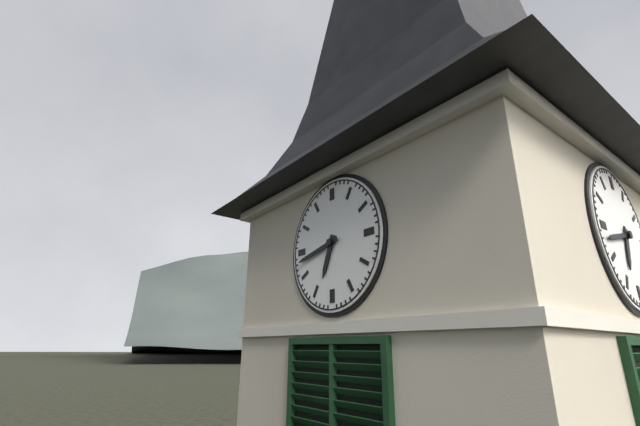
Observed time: **6:43**
